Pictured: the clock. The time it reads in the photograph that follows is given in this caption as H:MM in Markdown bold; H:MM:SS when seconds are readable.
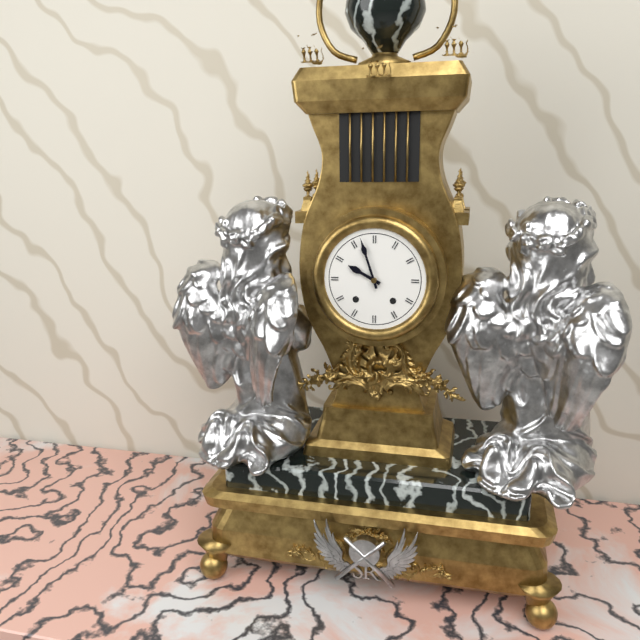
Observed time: **9:57**
